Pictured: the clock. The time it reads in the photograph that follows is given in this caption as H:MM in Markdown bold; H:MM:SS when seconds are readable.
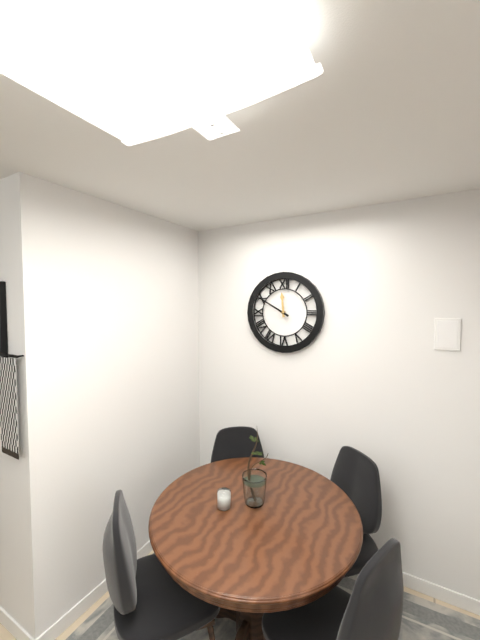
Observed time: **11:50**
